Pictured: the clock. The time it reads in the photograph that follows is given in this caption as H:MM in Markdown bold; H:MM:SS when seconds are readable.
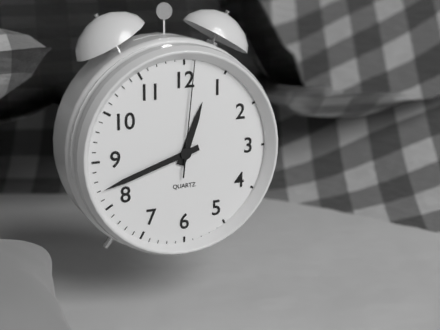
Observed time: **12:42:01**
